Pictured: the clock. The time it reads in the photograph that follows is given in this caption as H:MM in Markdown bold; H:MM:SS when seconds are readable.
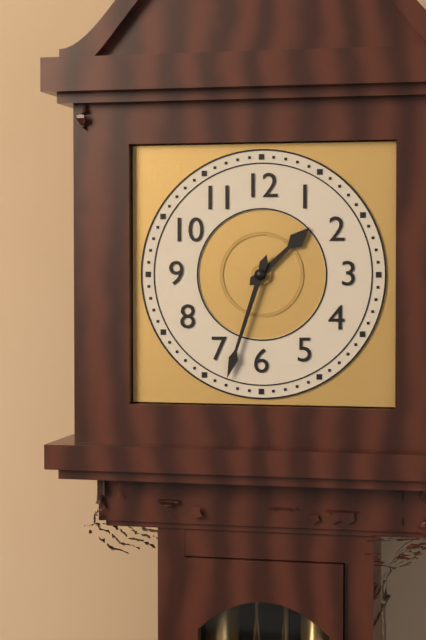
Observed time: **1:33**
